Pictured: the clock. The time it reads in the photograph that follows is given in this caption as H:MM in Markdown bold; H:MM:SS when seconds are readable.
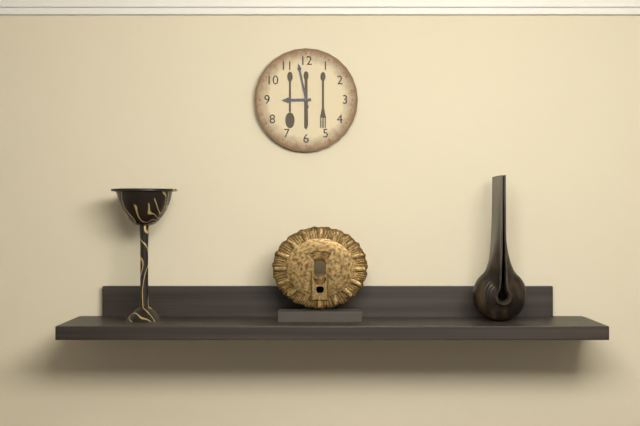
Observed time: **8:58**
